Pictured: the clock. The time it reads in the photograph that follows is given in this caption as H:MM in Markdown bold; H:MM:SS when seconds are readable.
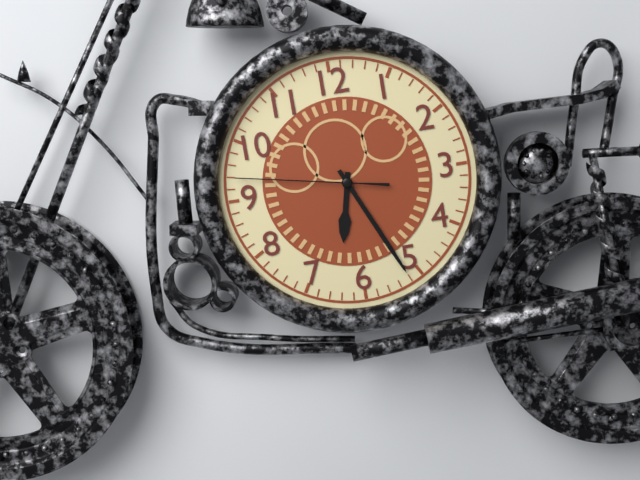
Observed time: **6:26:47**
